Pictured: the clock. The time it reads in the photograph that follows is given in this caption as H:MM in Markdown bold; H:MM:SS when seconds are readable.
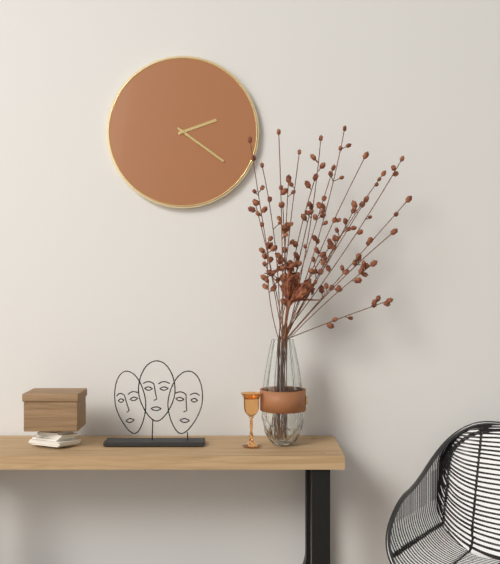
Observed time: **2:21**
